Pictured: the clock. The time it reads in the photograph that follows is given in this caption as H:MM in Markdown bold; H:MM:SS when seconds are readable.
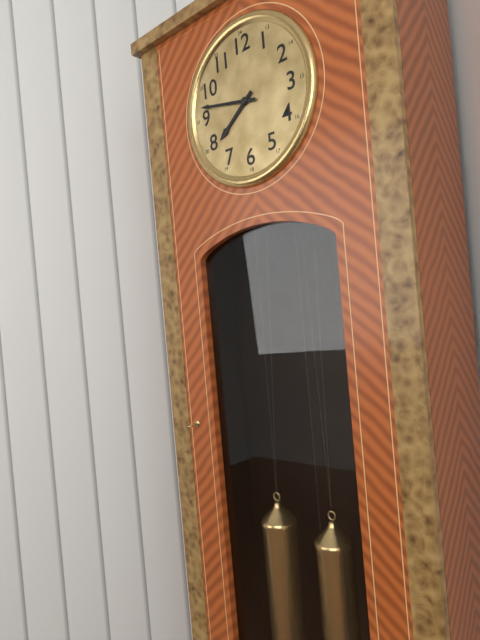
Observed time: **7:47**
